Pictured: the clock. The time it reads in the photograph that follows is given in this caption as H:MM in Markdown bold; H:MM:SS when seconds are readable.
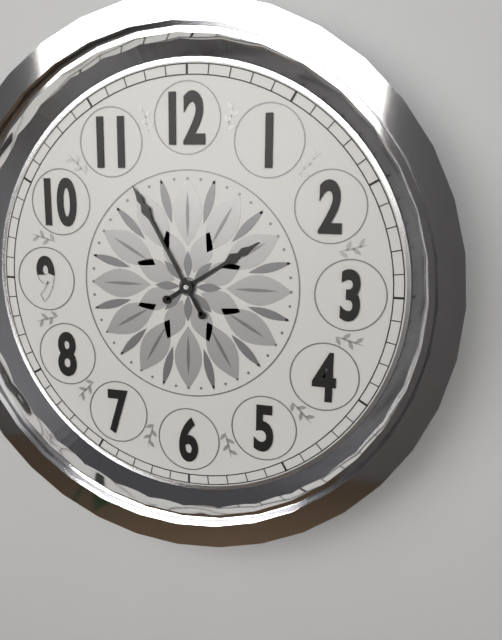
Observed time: **1:55**
